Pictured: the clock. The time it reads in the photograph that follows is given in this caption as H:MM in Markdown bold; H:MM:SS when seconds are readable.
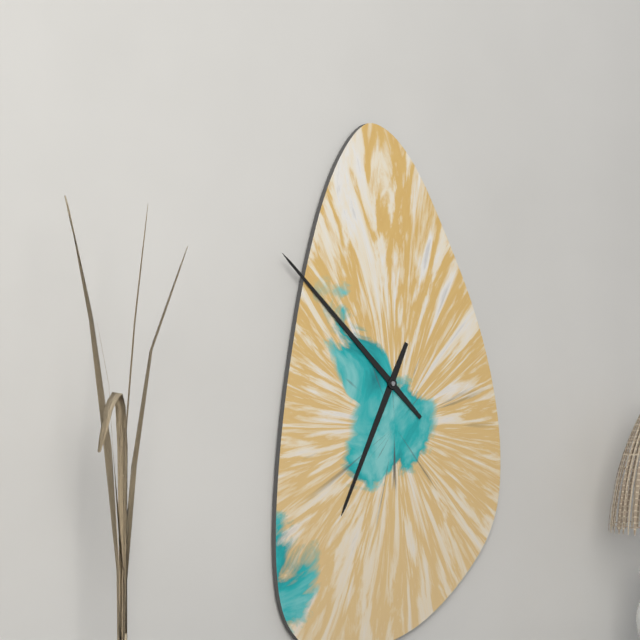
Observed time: **6:52**
